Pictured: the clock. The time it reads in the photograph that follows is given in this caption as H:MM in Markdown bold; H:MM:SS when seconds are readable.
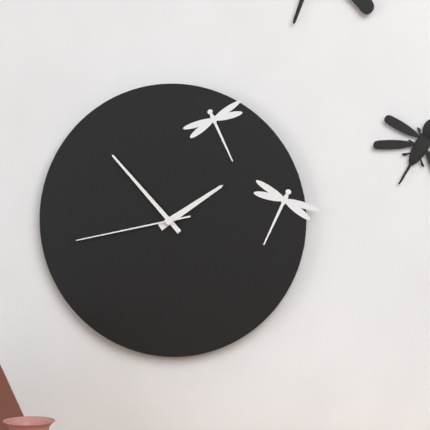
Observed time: **1:53:43**
